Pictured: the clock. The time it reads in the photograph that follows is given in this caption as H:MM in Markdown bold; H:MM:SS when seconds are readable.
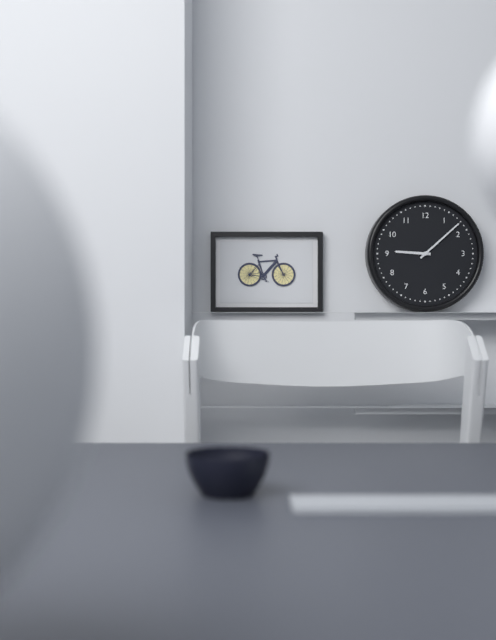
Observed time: **9:08**
